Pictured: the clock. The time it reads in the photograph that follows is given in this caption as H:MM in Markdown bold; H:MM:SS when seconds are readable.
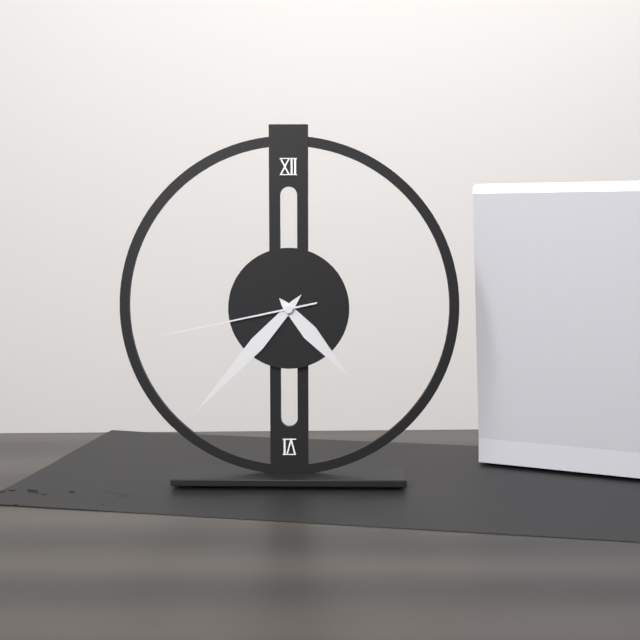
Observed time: **4:37:43**
